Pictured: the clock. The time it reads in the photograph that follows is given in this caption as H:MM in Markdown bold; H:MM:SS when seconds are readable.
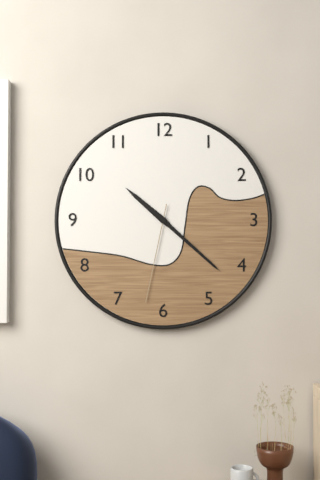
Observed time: **10:22:32**
